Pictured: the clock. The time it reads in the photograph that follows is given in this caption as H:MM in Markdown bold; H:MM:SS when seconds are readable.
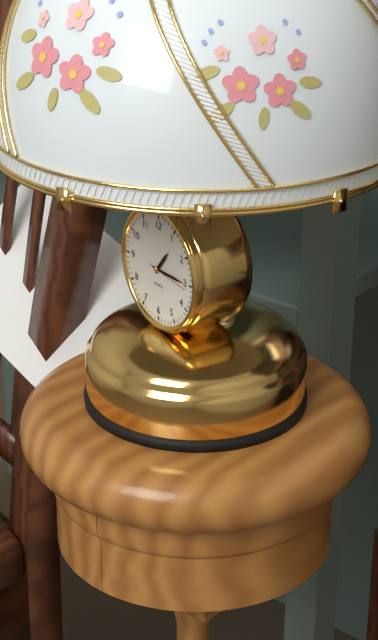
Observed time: **1:15**
